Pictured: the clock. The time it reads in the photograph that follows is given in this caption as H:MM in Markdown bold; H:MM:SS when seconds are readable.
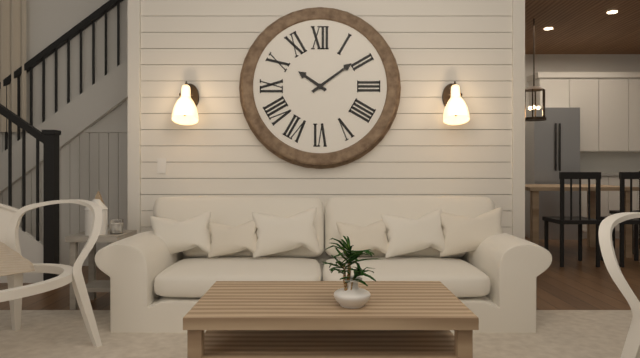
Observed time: **10:09**
